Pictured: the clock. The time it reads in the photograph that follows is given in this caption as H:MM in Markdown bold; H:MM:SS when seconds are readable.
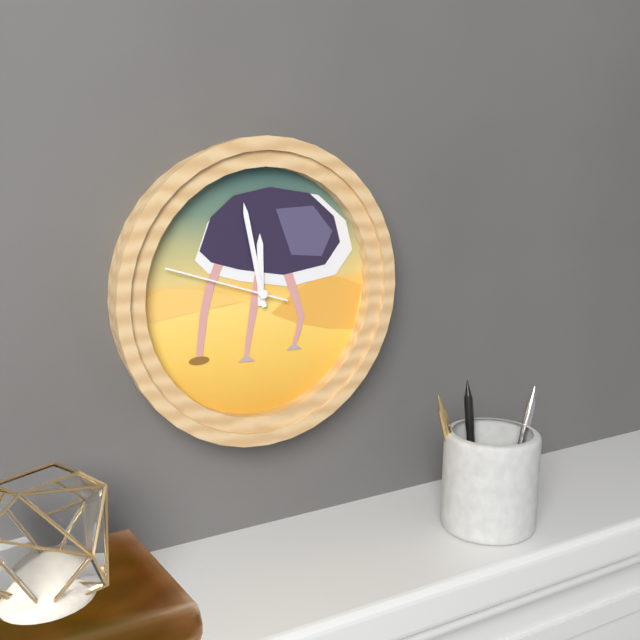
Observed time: **11:58:48**
